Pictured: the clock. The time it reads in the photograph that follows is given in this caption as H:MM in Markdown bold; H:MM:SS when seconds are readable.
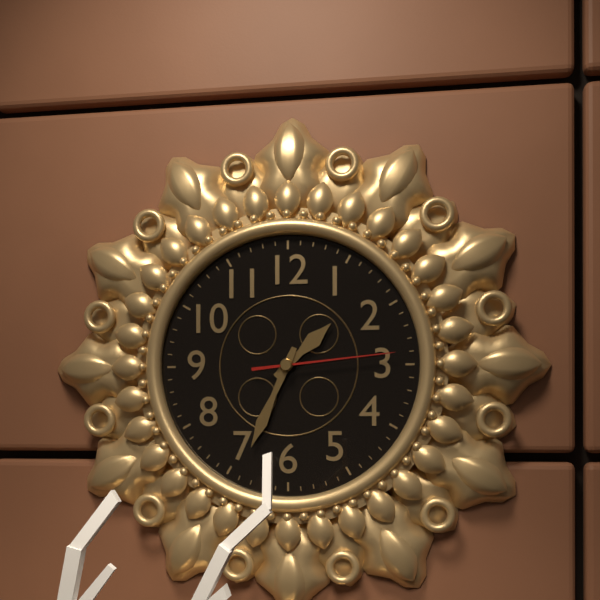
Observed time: **1:34:14**
